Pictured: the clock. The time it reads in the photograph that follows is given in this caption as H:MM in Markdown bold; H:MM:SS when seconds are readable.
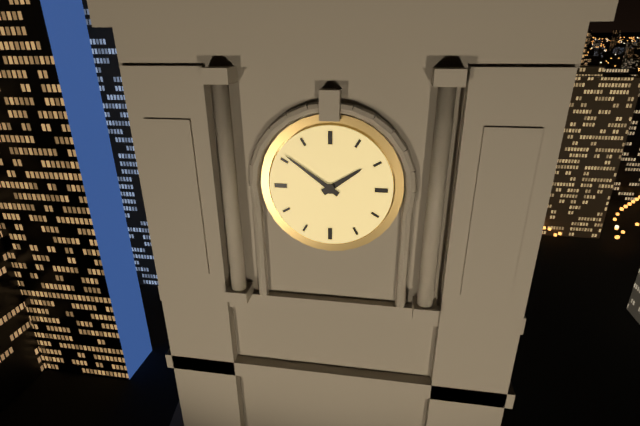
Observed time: **1:51**
